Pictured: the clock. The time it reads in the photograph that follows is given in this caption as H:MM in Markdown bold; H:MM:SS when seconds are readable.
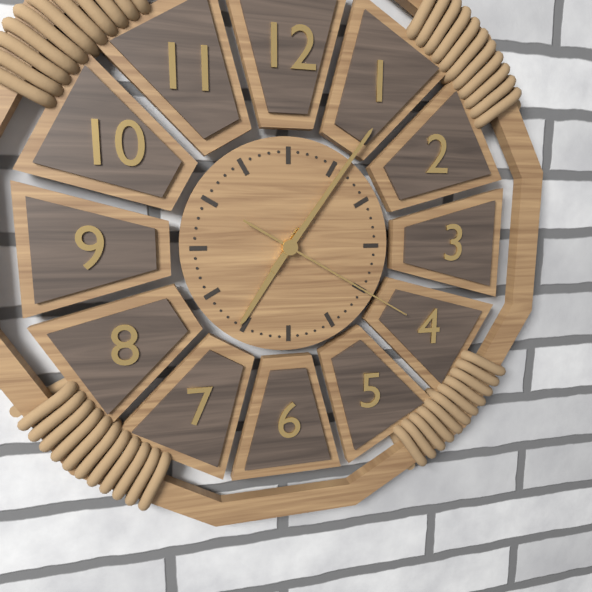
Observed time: **7:06:20**
